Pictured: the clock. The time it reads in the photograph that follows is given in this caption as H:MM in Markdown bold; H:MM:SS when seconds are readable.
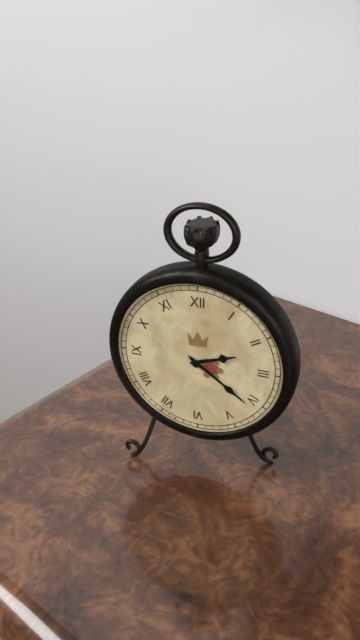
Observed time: **2:21**
